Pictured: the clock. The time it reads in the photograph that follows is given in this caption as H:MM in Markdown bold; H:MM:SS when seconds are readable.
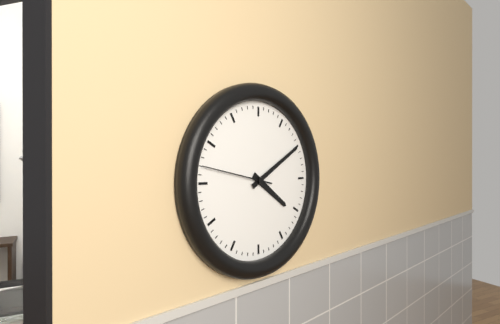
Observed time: **4:10:47**
